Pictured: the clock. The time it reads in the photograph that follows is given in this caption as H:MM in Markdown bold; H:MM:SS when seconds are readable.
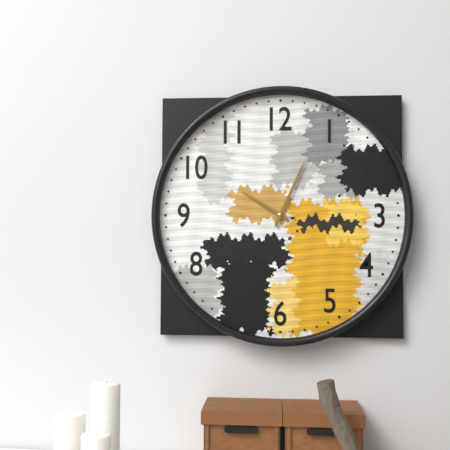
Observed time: **10:04**
